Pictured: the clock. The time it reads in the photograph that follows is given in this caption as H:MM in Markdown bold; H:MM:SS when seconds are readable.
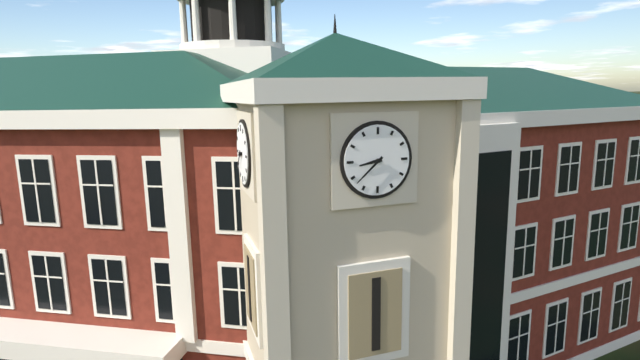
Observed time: **8:38**
